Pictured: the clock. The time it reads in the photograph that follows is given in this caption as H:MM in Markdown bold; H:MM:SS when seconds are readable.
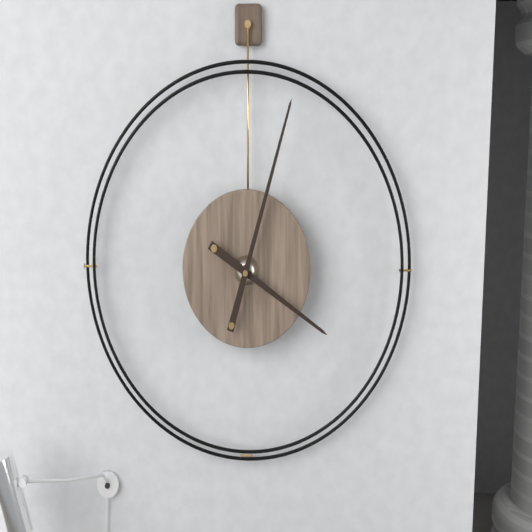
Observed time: **4:03**
